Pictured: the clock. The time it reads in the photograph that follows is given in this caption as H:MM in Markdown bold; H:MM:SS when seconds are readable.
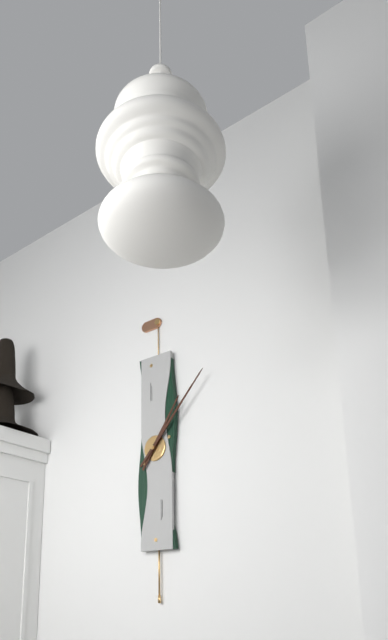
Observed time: **1:07**
